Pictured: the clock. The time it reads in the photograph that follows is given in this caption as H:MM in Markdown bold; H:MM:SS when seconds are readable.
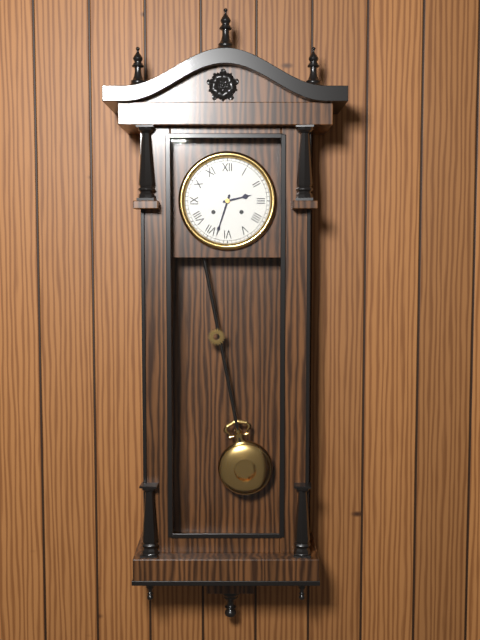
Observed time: **2:33**
